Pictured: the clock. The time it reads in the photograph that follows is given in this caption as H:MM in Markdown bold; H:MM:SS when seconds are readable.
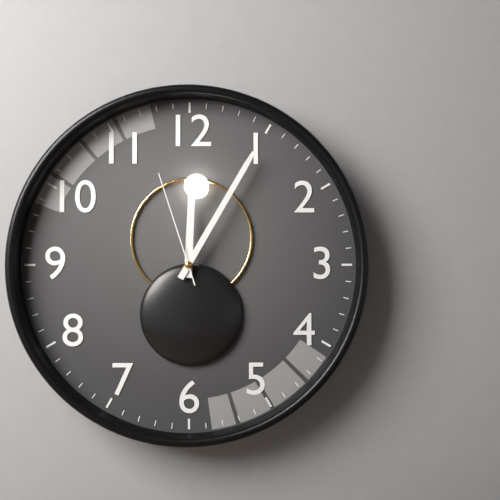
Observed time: **12:05:57**
